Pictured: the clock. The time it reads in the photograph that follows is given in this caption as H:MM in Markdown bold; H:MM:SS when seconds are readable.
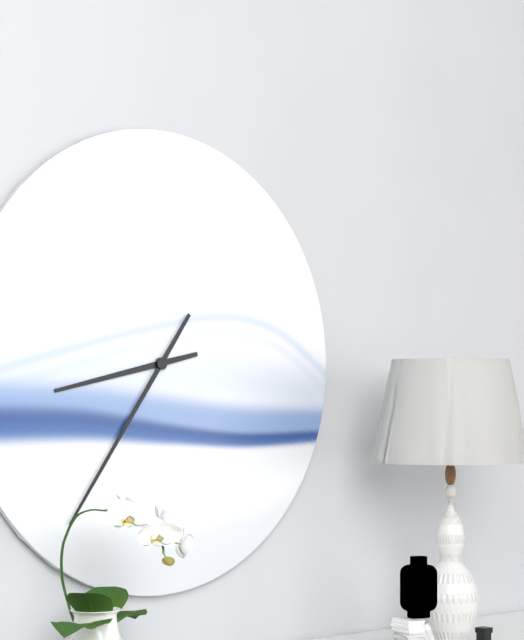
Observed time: **8:36**
